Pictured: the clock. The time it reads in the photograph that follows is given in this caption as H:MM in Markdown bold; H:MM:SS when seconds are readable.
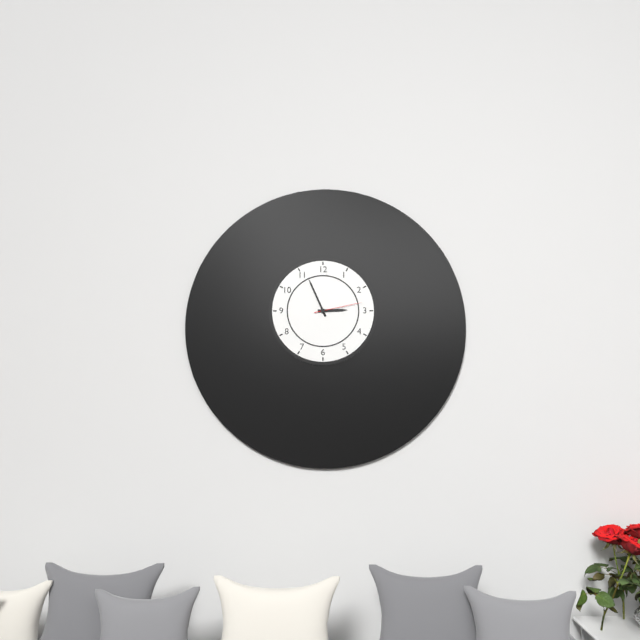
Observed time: **2:56**
